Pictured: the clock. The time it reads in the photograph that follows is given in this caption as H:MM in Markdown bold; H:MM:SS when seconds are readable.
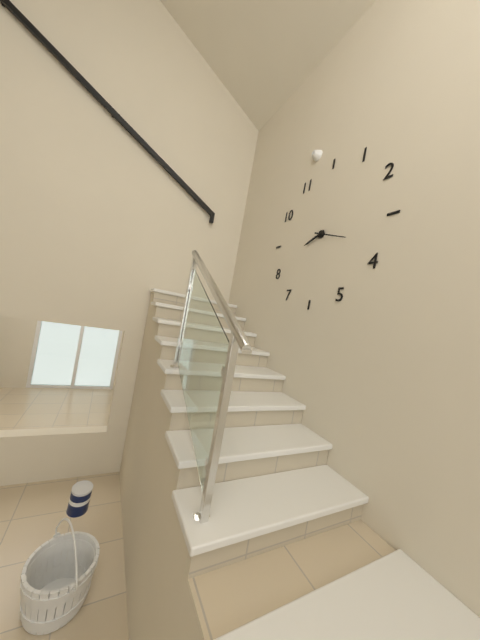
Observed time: **8:18**
